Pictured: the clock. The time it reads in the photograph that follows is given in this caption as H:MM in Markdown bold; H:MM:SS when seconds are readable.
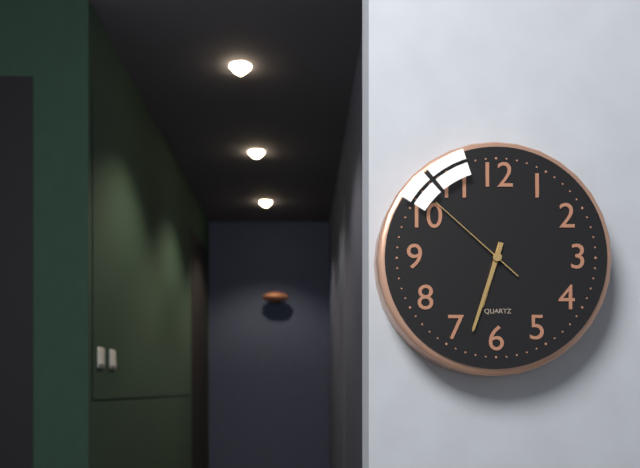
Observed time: **6:33:52**
